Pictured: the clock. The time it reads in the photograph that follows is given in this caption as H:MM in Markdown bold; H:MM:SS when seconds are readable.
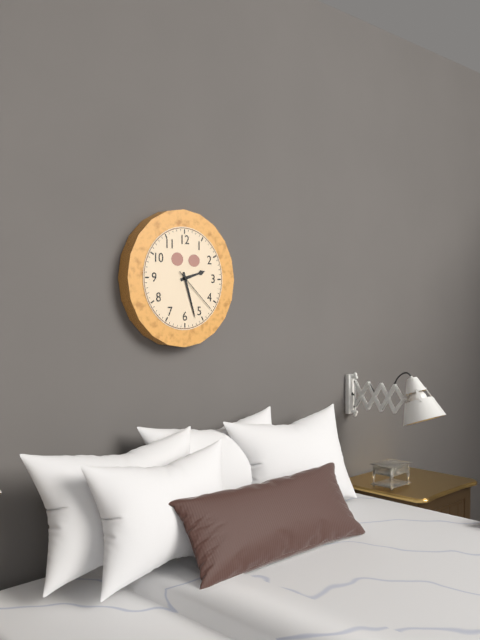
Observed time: **2:27**
